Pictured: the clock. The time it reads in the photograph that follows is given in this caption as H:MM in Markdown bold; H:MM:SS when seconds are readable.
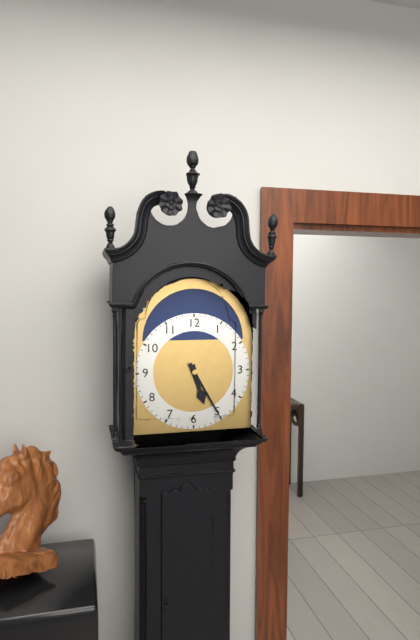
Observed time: **5:25**
